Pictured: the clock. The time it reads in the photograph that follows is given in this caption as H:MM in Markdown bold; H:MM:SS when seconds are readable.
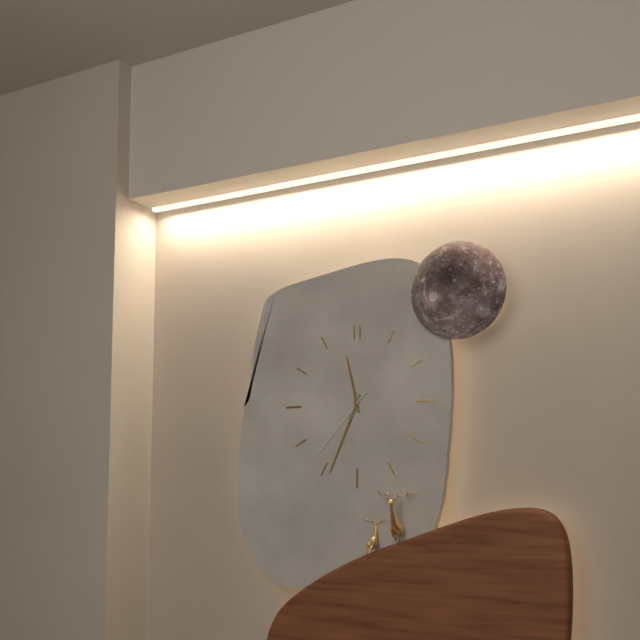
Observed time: **11:34:37**
